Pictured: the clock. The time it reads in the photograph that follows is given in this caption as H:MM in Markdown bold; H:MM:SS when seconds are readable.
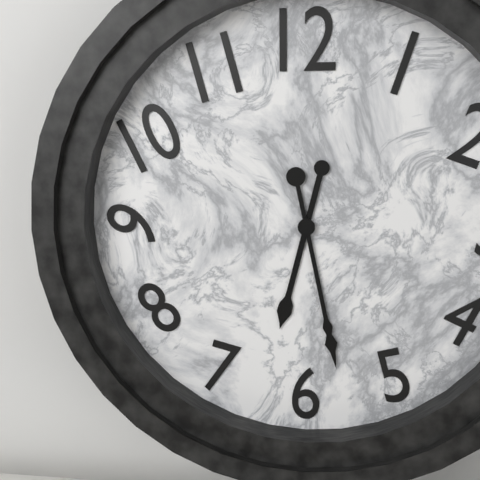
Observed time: **6:28**
